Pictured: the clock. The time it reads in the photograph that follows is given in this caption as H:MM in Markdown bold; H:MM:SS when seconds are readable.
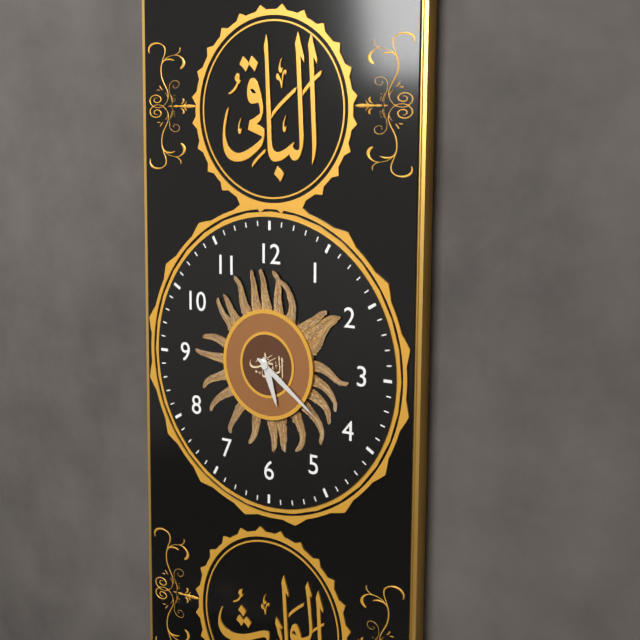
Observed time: **5:21**
